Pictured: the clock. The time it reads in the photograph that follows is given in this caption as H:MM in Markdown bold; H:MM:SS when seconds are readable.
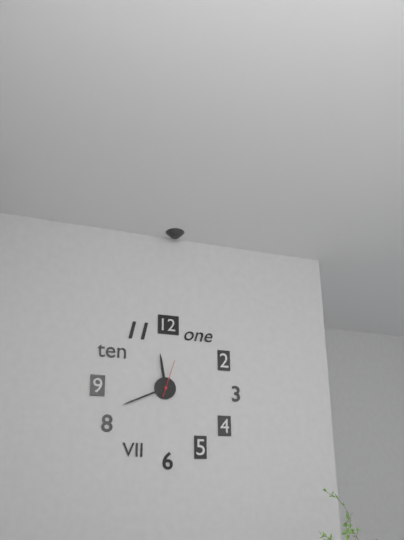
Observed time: **11:41**
